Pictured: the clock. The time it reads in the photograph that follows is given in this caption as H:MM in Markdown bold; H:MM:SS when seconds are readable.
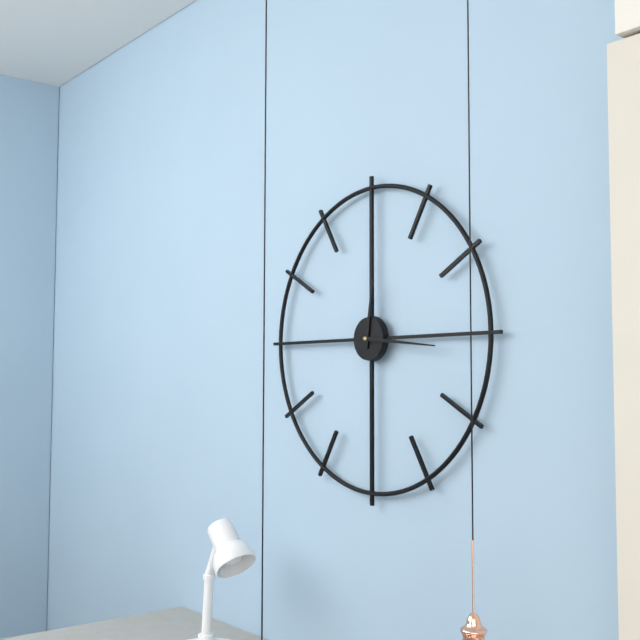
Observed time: **12:16**
